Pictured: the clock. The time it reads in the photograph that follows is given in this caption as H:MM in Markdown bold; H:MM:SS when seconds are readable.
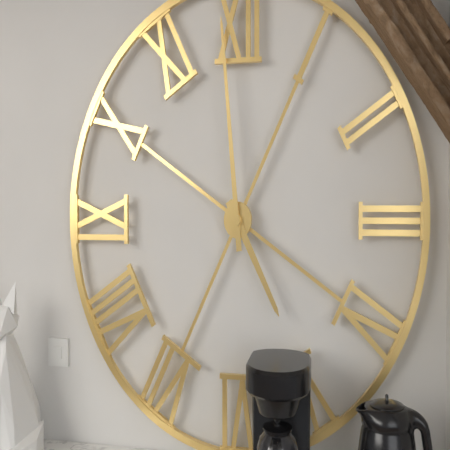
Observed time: **4:59**
